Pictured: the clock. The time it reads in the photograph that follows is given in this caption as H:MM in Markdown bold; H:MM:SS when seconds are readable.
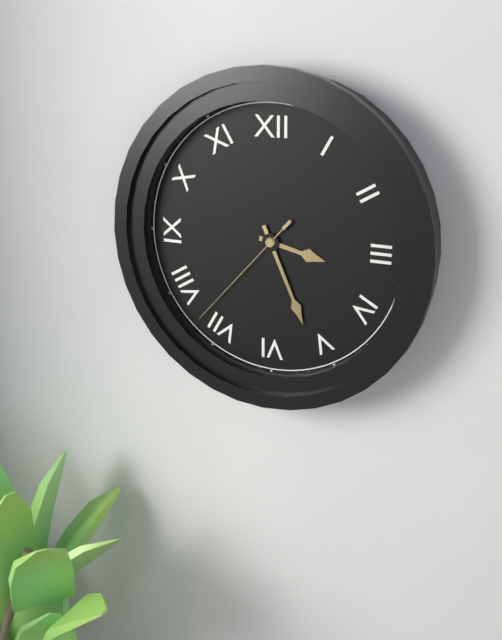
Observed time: **3:26:37**
